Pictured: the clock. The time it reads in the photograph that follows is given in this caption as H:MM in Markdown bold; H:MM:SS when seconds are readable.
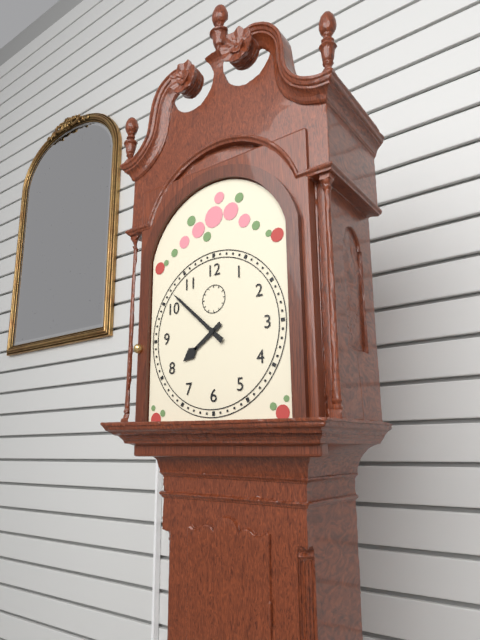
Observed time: **7:52**
